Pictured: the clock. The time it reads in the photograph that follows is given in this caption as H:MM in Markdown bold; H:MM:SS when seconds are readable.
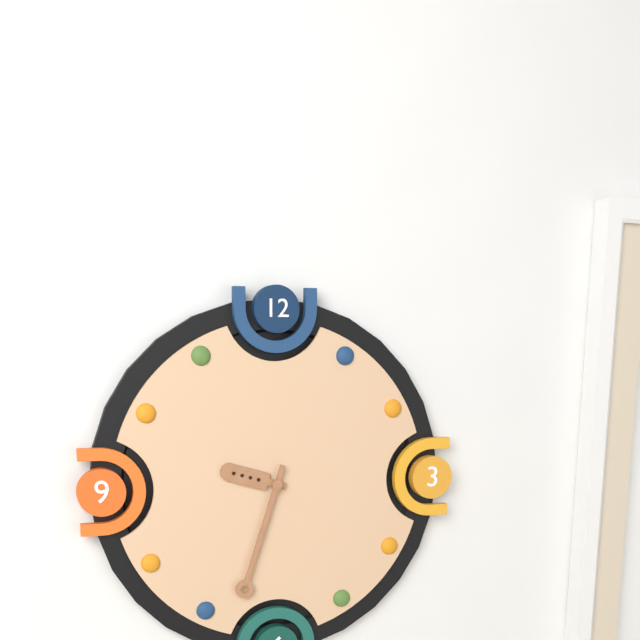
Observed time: **9:33**
